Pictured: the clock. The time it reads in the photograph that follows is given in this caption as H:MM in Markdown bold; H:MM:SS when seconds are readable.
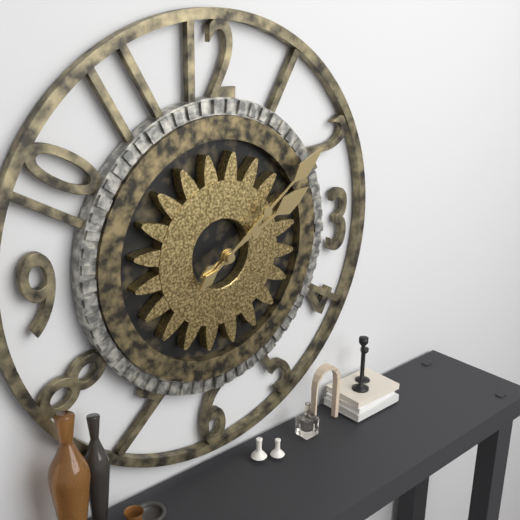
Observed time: **2:09**
